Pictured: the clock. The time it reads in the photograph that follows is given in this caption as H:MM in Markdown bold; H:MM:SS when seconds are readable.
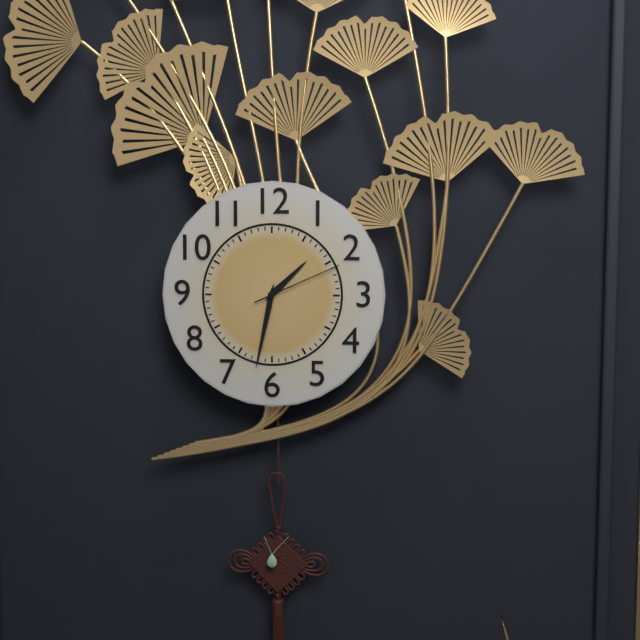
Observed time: **1:32:11**
